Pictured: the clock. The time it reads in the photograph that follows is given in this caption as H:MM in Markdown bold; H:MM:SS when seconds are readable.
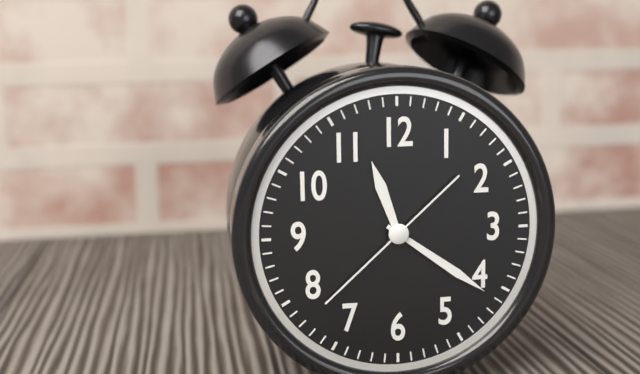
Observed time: **11:21:38**
